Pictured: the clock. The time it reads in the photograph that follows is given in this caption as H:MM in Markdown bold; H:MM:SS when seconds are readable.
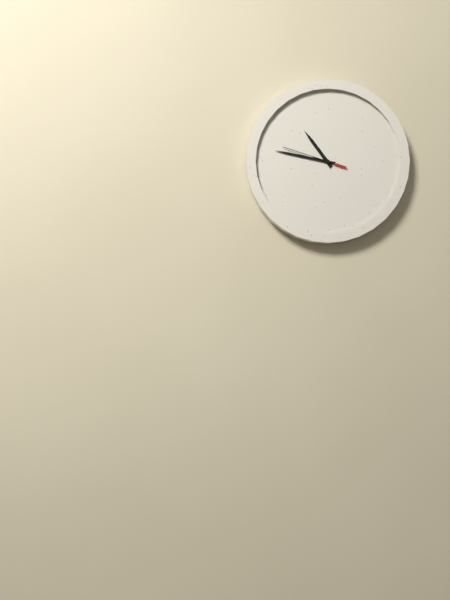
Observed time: **10:47:48**
